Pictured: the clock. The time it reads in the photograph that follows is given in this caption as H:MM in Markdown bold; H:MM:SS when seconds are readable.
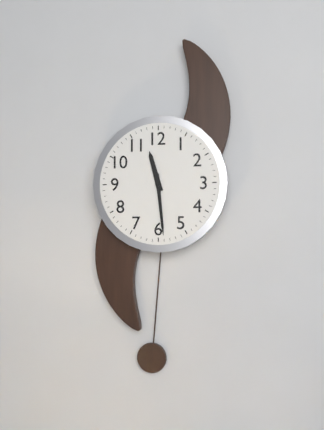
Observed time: **11:29**
